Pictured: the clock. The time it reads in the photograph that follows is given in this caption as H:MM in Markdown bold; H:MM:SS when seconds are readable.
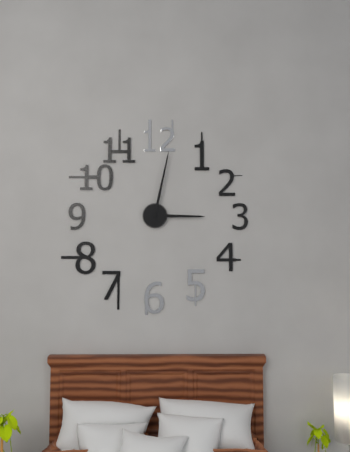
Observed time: **3:02**
